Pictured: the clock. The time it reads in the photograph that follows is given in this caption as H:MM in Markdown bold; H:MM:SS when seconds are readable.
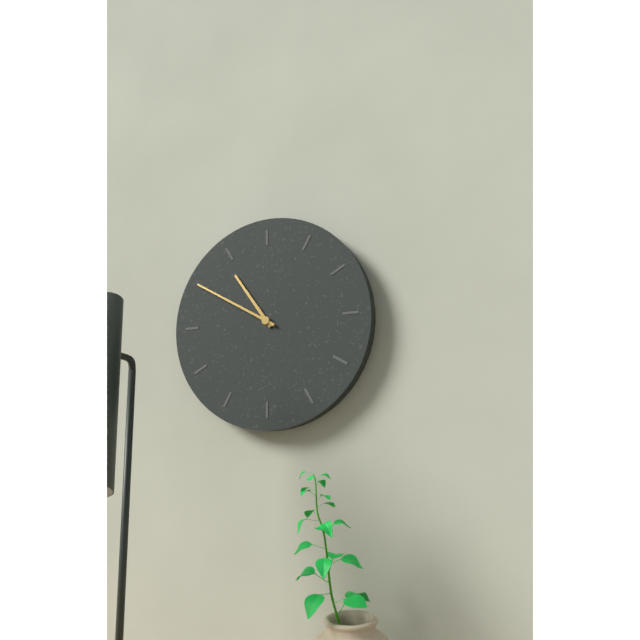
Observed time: **10:50**
